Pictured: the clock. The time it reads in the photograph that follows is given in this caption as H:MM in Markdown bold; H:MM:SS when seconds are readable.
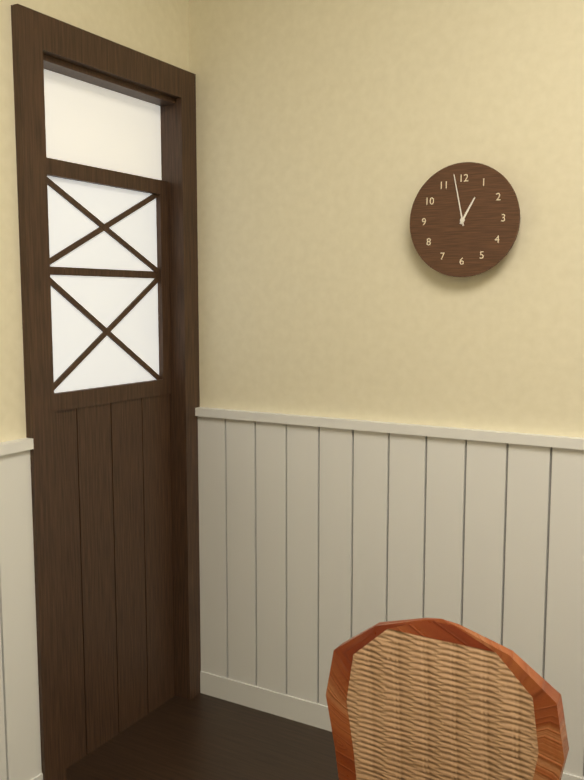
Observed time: **12:58**
